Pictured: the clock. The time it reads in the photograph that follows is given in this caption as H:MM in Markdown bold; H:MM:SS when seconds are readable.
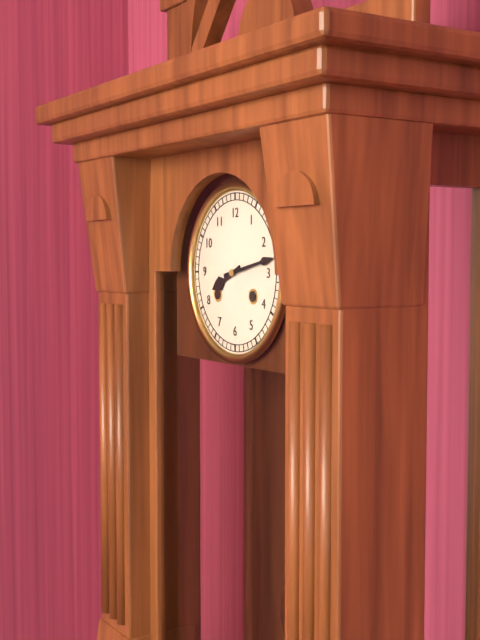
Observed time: **8:13**
